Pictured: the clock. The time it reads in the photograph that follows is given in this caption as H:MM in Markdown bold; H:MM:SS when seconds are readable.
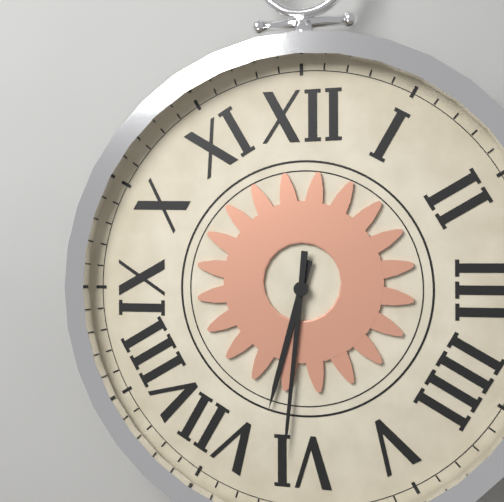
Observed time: **6:31**
